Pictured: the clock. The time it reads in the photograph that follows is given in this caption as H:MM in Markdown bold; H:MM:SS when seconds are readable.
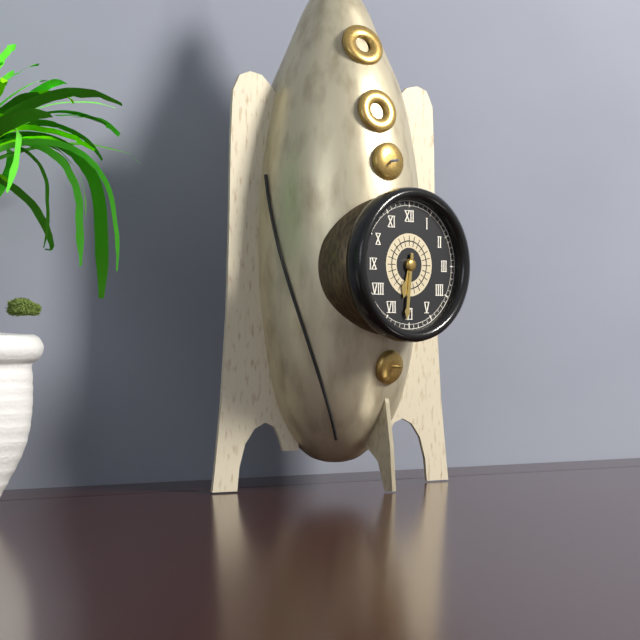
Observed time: **6:31**
